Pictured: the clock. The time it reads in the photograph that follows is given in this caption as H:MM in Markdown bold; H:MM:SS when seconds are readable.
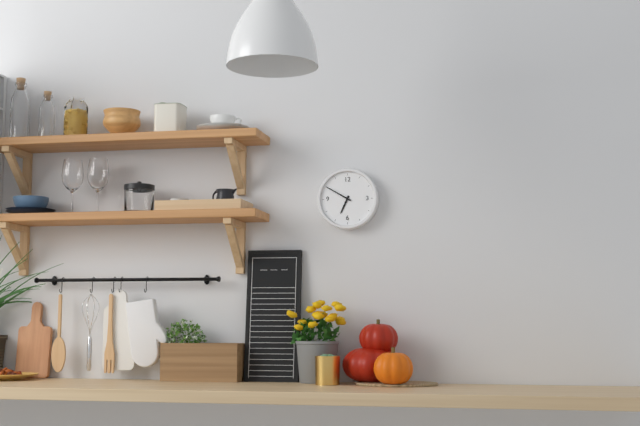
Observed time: **6:50**
